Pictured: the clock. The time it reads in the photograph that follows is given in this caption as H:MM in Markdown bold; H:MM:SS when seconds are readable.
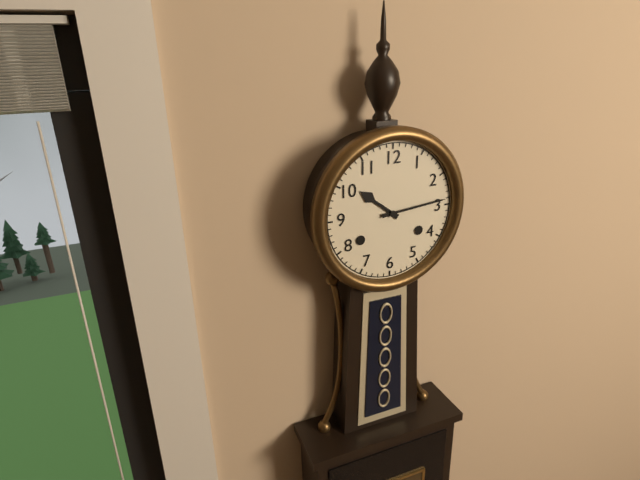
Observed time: **10:14**
